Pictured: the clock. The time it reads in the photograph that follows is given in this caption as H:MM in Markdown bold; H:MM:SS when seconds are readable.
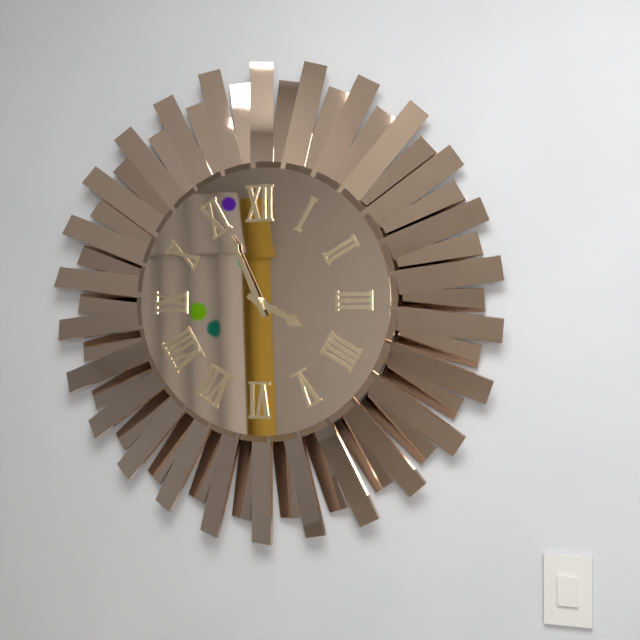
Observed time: **3:56**
